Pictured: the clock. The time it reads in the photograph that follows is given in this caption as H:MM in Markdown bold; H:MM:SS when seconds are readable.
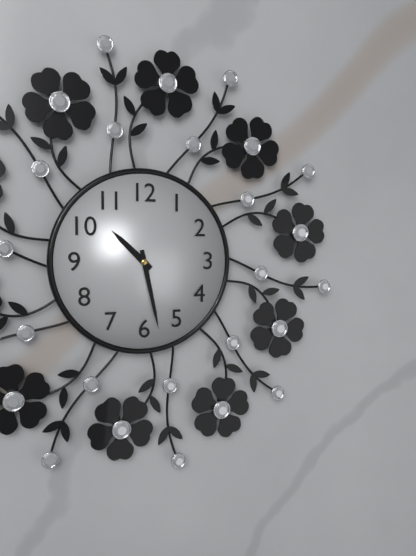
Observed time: **10:28**
